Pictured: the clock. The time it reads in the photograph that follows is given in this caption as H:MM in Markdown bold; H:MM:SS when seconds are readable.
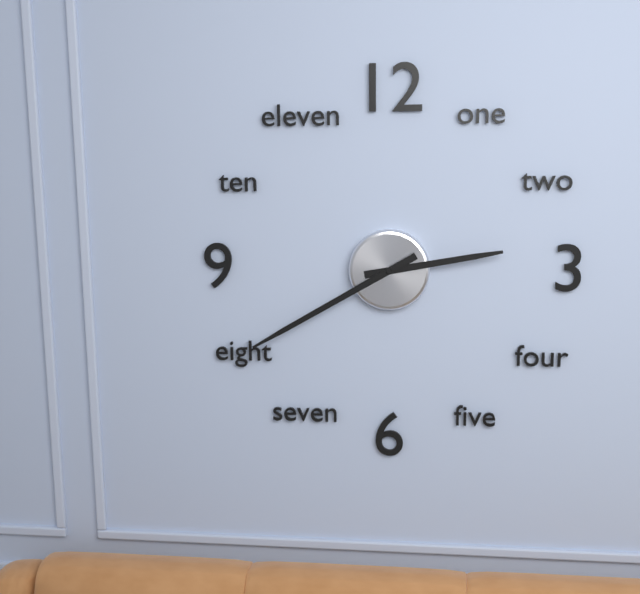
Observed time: **2:40**
